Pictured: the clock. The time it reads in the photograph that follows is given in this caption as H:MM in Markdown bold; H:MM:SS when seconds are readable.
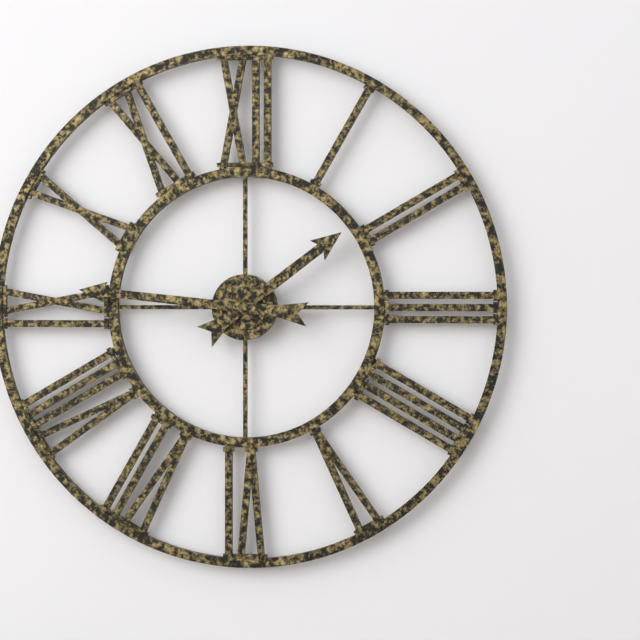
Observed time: **1:46**
